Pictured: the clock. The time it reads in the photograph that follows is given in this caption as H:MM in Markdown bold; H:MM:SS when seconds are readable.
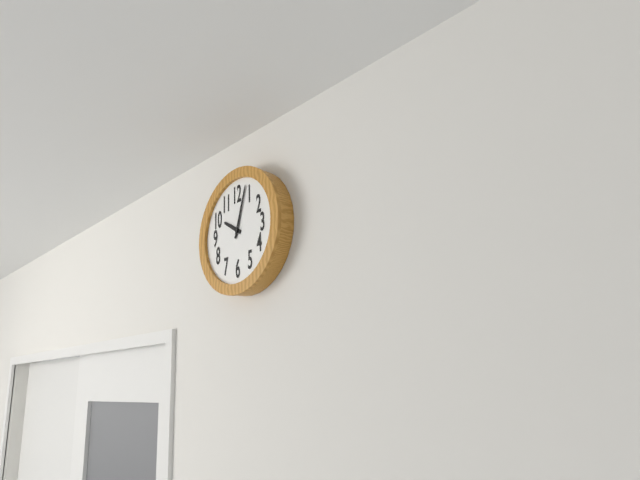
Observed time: **10:03**
